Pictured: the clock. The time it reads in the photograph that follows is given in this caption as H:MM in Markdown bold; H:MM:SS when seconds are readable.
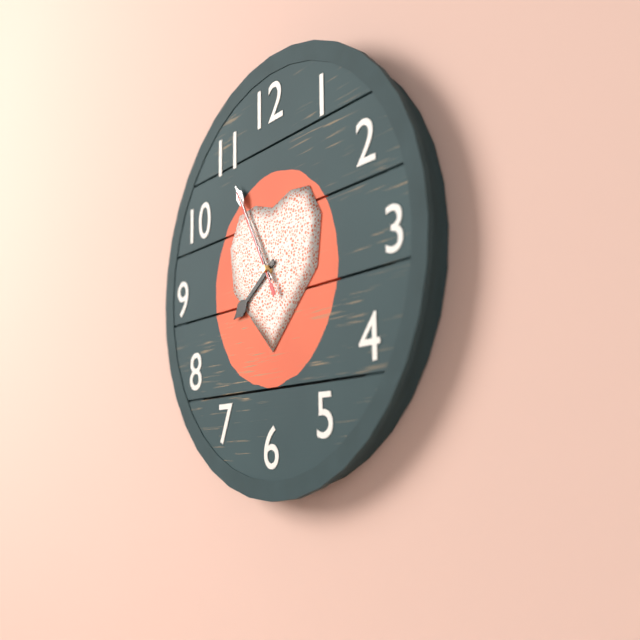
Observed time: **7:55:55**
